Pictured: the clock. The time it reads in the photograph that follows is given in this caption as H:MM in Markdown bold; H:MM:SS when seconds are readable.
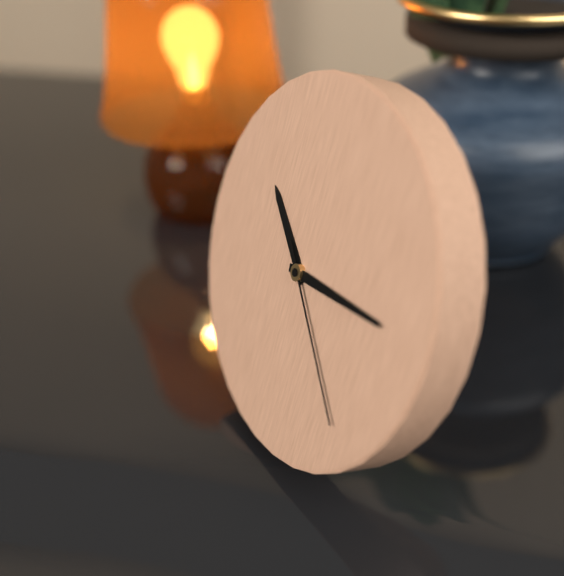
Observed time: **10:14:22**
